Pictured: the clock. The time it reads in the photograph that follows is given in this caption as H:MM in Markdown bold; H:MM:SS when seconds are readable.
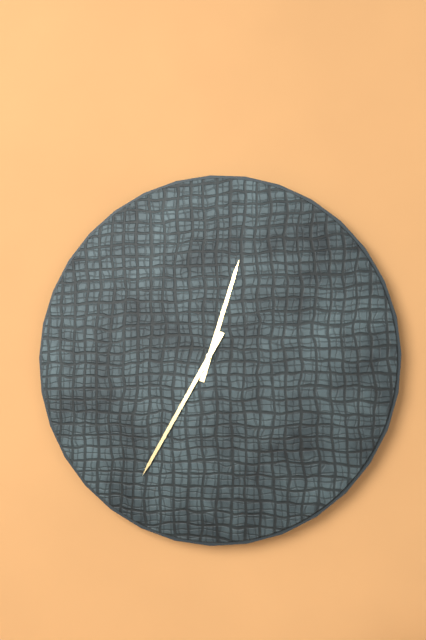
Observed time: **12:35**
